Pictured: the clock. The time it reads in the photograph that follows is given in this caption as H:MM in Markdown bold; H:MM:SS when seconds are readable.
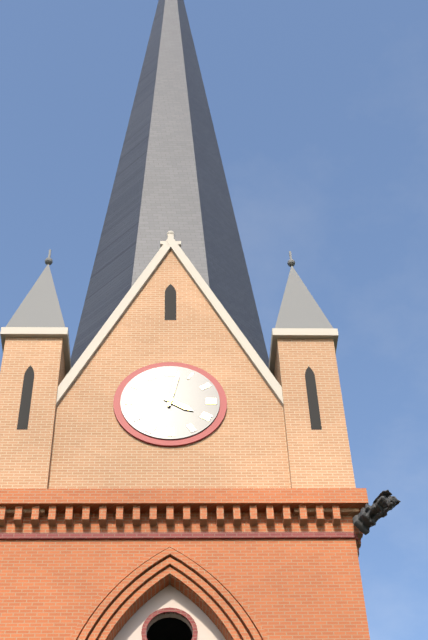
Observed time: **4:02**
